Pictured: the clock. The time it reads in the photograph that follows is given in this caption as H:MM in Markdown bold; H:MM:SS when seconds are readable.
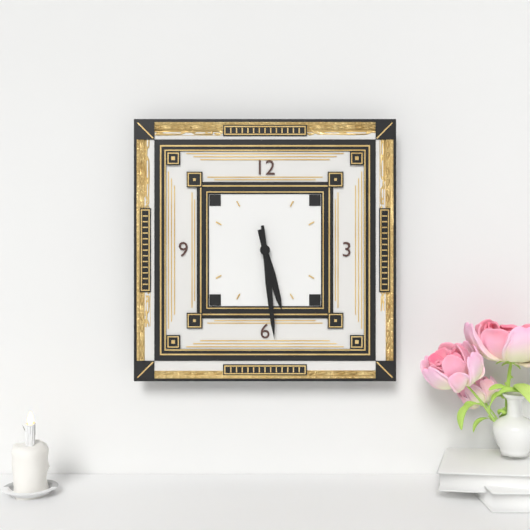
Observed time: **5:29**
